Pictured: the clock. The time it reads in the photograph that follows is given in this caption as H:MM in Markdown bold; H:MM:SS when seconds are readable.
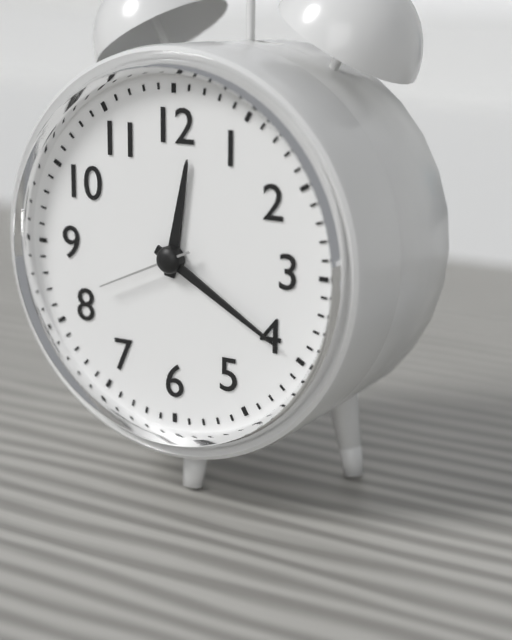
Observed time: **12:20:41**
